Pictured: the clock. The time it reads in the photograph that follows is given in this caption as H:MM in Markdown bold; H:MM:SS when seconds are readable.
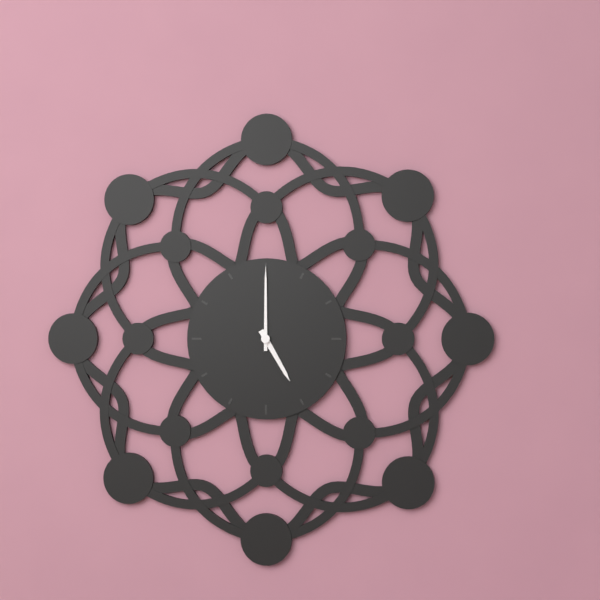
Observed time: **5:00**
